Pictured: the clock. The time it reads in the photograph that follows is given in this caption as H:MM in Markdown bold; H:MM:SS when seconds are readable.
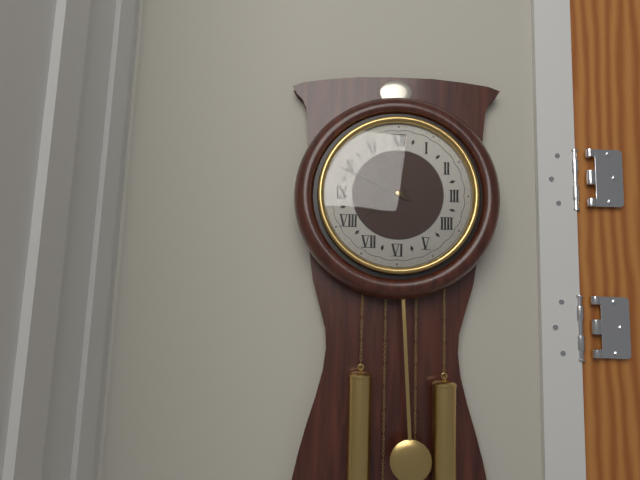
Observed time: **7:49**
